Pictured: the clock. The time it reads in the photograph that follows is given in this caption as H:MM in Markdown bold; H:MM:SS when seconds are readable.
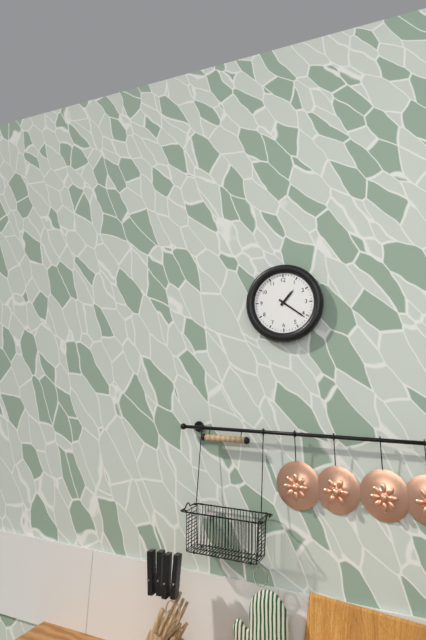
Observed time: **1:21**
